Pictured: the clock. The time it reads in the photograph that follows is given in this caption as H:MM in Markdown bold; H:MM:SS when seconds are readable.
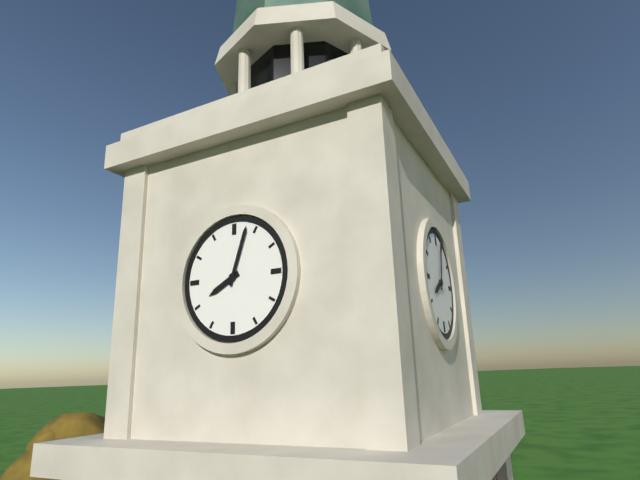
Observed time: **8:03**
